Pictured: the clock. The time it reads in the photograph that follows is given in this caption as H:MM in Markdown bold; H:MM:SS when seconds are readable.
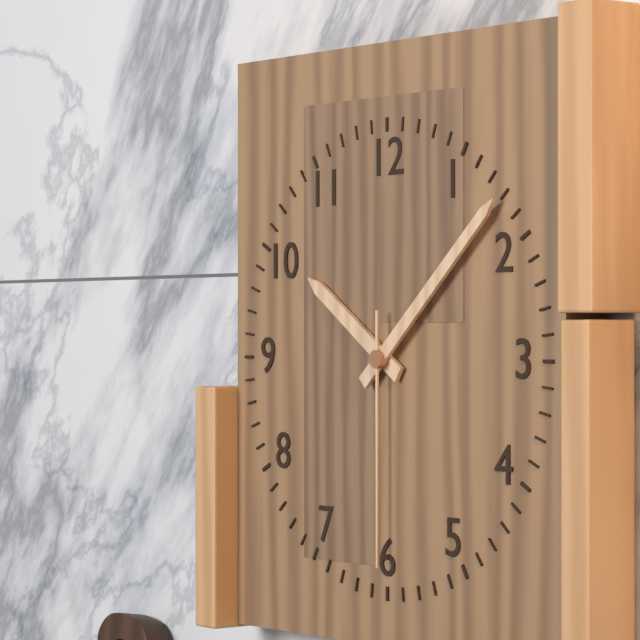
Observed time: **10:08:30**
